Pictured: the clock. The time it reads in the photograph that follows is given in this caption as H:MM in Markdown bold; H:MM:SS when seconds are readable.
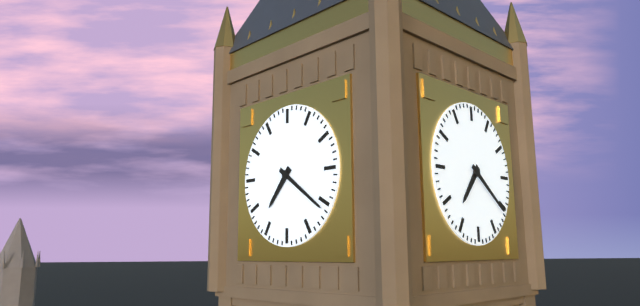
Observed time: **7:21**
